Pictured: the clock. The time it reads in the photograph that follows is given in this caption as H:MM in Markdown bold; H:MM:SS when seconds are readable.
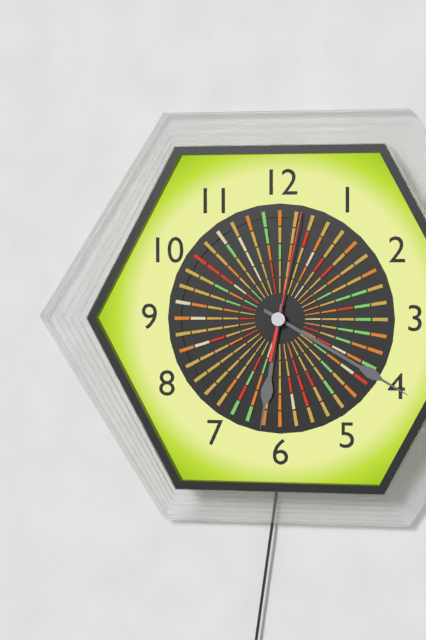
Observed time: **6:20:02**
